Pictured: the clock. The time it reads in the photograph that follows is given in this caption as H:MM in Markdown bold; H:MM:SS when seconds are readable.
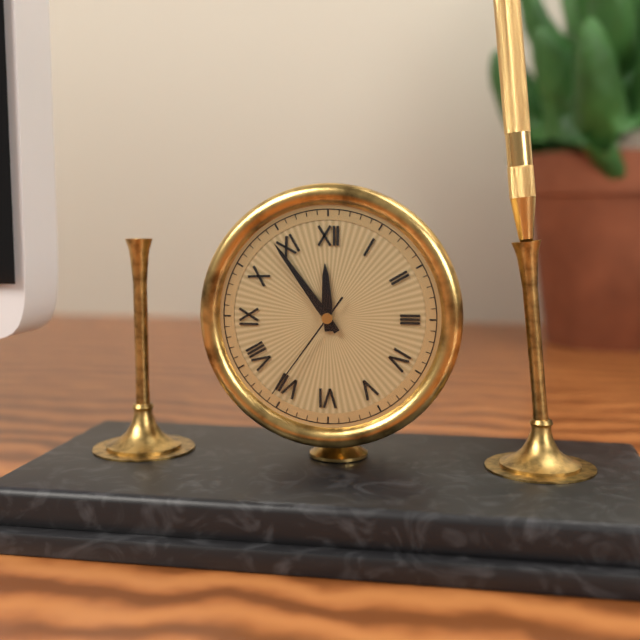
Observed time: **11:54:36**
